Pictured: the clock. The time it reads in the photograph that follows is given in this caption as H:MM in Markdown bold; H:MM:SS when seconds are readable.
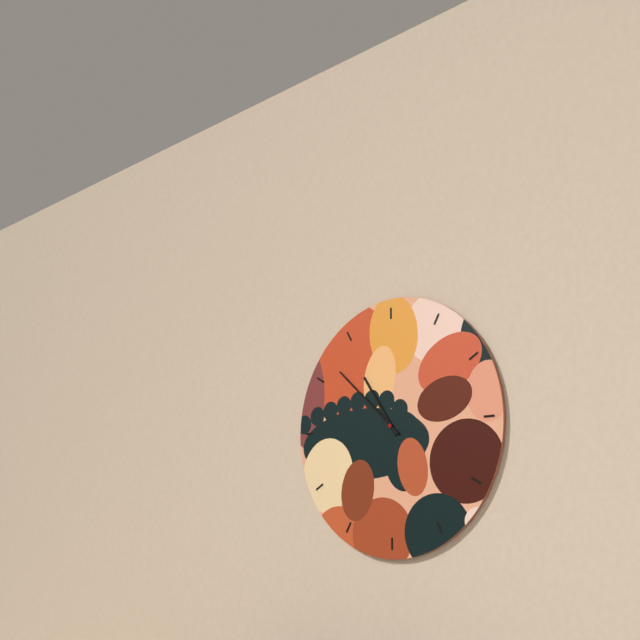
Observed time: **10:52**
